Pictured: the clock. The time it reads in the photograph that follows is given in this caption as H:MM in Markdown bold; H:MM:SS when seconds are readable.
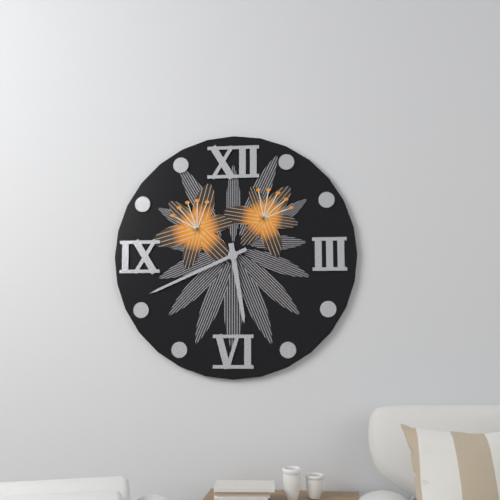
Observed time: **5:41**
